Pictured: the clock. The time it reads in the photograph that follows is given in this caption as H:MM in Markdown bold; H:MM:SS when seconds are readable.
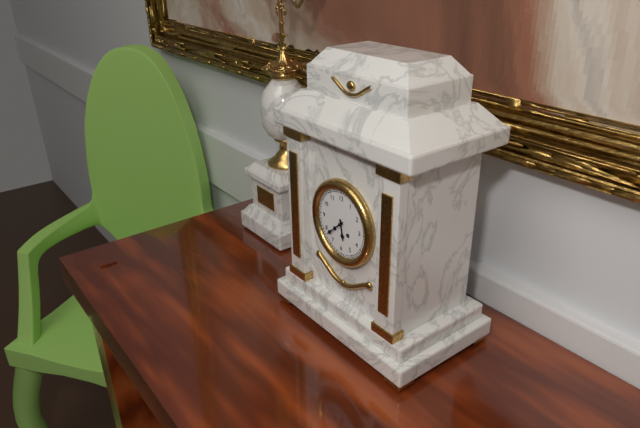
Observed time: **5:38**
